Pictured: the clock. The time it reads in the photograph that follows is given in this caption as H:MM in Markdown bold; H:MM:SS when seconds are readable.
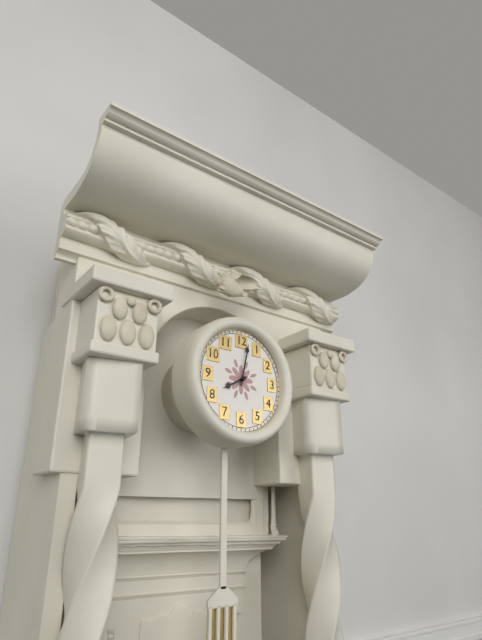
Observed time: **8:02**
